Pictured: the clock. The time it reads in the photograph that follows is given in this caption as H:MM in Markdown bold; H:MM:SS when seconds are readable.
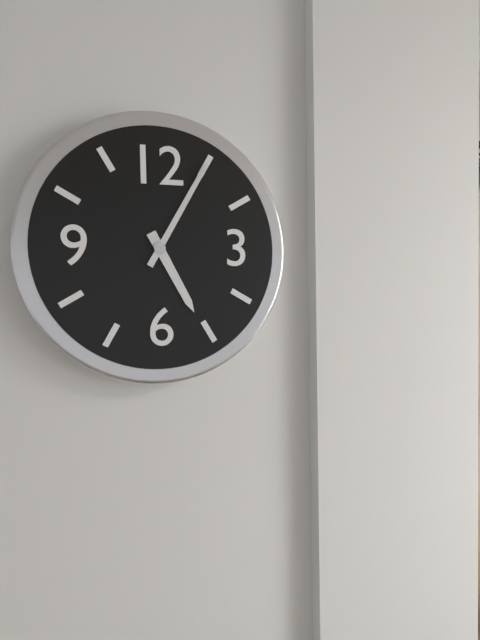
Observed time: **5:05**
